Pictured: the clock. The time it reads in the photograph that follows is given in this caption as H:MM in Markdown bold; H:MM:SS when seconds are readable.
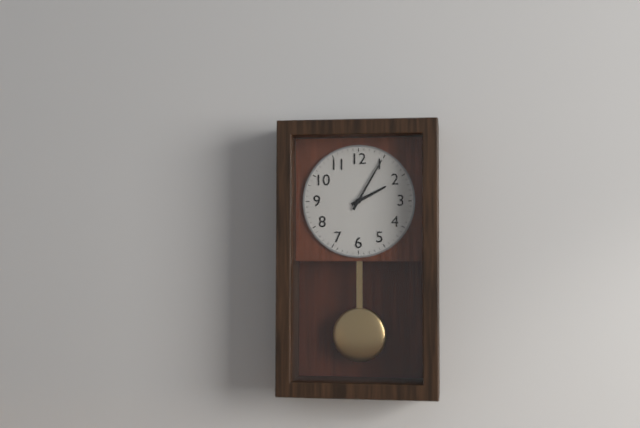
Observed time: **2:05**
